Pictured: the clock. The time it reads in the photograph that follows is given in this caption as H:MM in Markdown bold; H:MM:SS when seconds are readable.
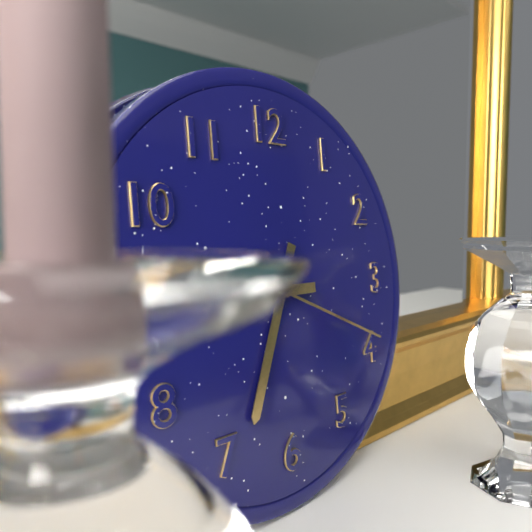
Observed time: **6:45:19**
